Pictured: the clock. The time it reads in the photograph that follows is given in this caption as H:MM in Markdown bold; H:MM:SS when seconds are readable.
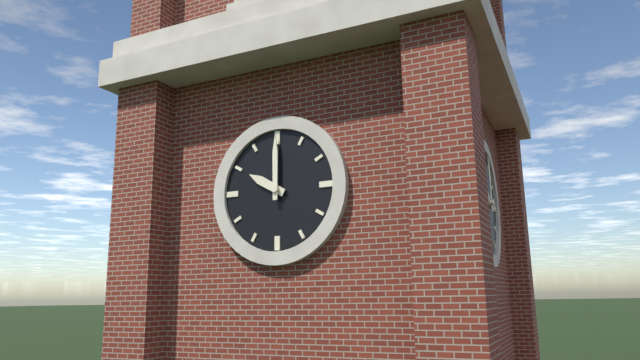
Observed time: **10:00**
